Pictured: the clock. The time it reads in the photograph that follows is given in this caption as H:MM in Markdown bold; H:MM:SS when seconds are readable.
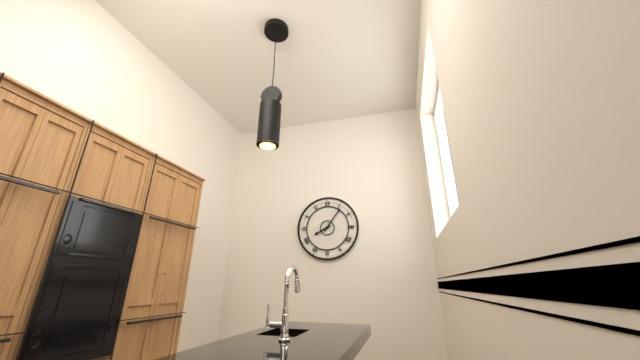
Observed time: **8:06**
